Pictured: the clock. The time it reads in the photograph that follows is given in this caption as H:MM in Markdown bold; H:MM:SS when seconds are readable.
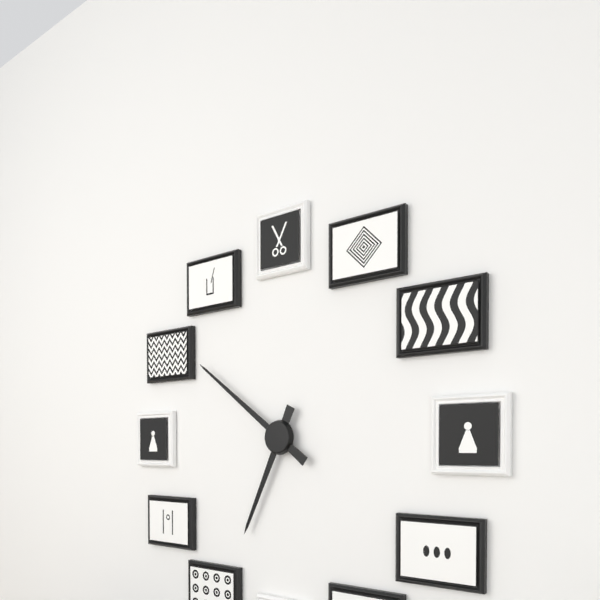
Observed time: **6:51**
